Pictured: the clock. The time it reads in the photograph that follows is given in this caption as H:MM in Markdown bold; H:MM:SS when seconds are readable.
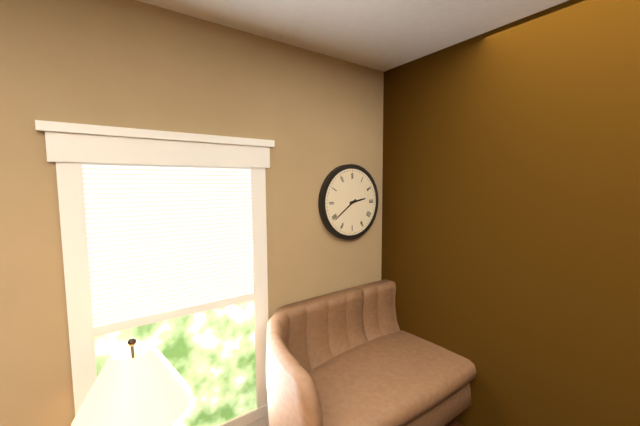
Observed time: **2:39**
